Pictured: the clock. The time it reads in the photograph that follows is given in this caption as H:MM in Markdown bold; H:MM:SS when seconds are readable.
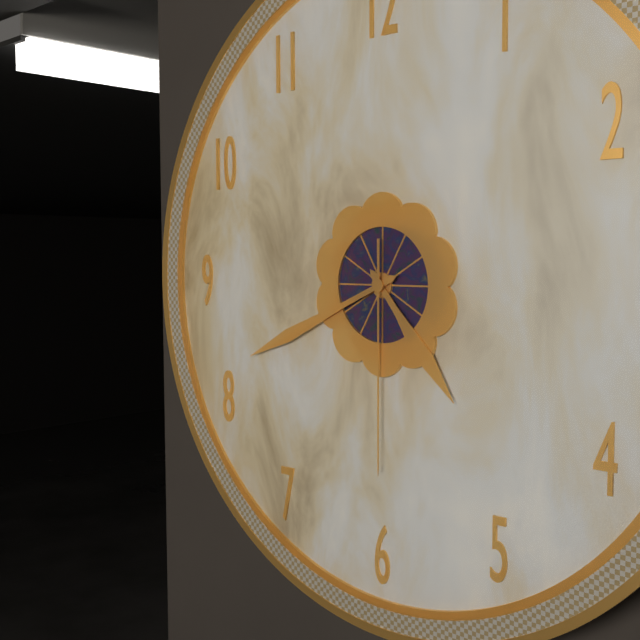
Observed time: **4:41:30**
